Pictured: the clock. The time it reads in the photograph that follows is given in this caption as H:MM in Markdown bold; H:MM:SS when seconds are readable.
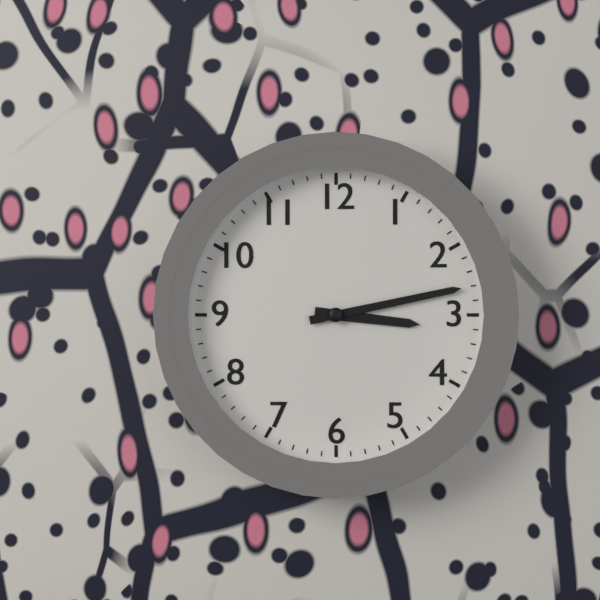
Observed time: **3:13**
